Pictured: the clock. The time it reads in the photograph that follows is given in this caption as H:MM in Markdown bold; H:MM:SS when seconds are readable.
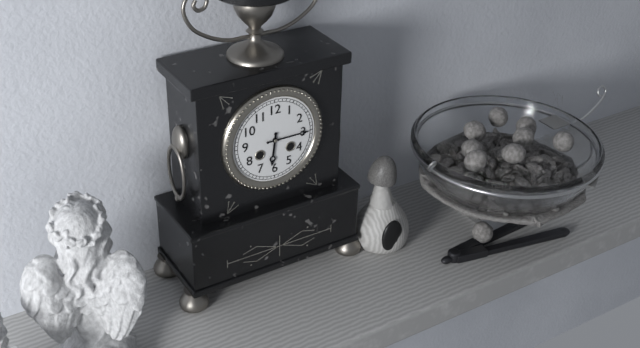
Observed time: **6:15**
